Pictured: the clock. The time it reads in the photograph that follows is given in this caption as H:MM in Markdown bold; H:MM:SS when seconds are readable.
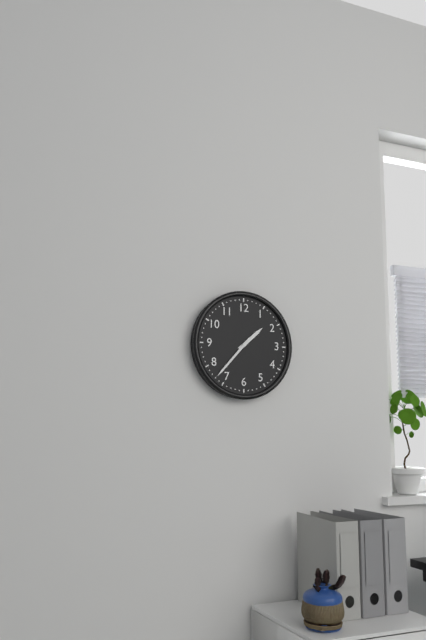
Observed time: **1:37**
